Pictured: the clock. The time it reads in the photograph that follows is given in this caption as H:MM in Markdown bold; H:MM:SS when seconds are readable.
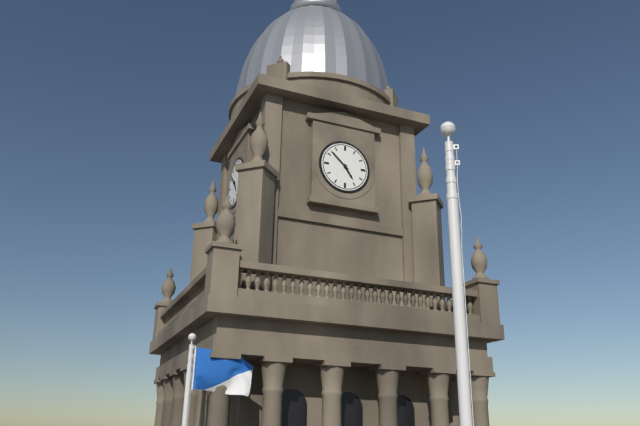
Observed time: **4:52**
